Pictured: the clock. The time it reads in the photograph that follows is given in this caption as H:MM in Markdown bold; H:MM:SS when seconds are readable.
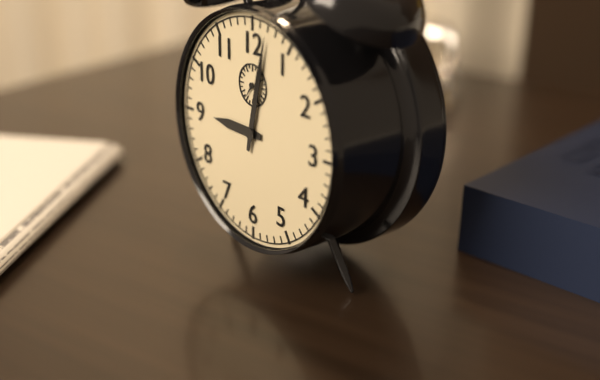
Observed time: **9:02**
